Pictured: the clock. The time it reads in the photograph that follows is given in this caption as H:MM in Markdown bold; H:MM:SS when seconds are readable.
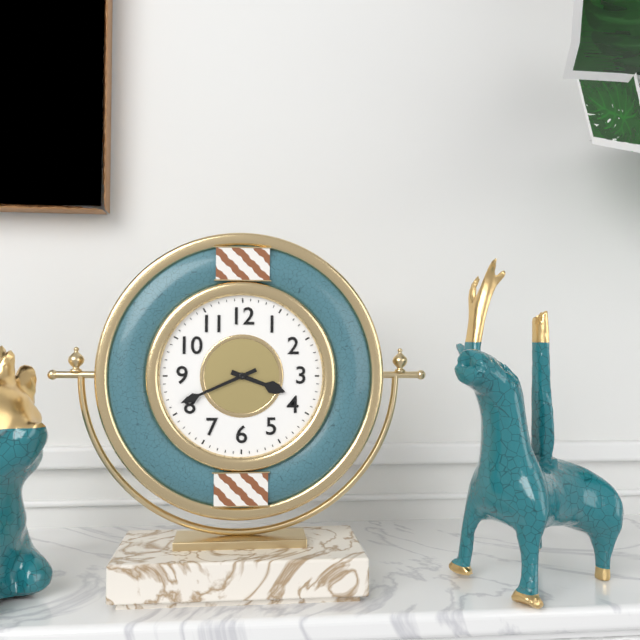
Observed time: **3:41**
